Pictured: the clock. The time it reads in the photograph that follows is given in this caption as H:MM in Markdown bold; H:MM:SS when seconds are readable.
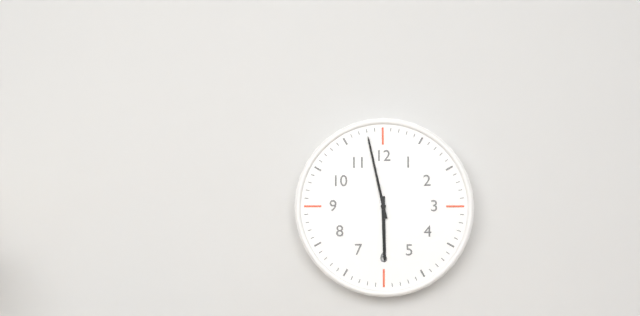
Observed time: **5:58**
